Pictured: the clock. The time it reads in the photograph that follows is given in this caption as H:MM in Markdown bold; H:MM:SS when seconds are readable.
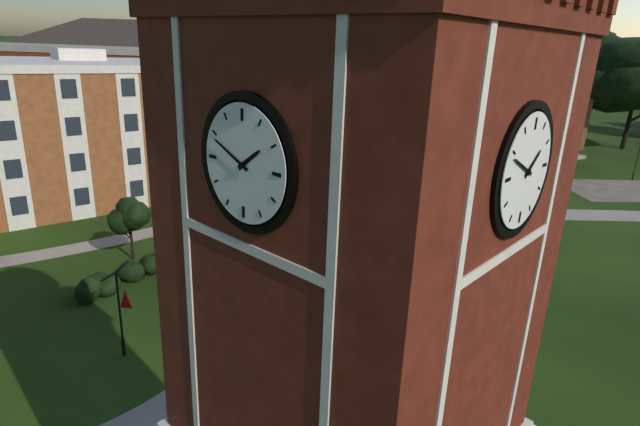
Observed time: **1:49**
